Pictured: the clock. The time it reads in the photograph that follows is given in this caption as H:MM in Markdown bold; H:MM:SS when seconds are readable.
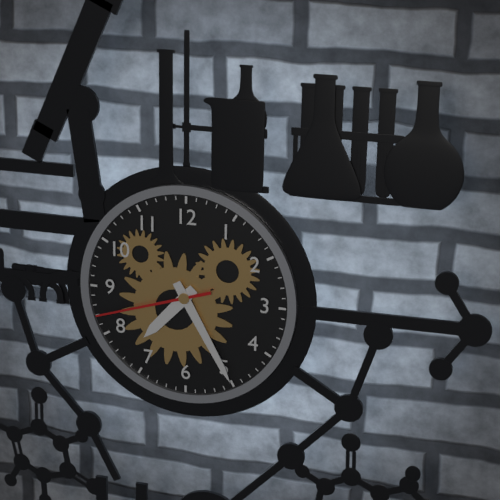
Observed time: **7:25:42**
